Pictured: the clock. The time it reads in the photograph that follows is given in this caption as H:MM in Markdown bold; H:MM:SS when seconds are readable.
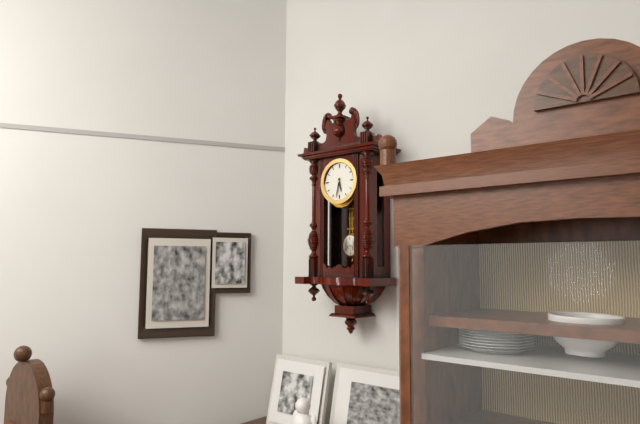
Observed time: **5:32**
